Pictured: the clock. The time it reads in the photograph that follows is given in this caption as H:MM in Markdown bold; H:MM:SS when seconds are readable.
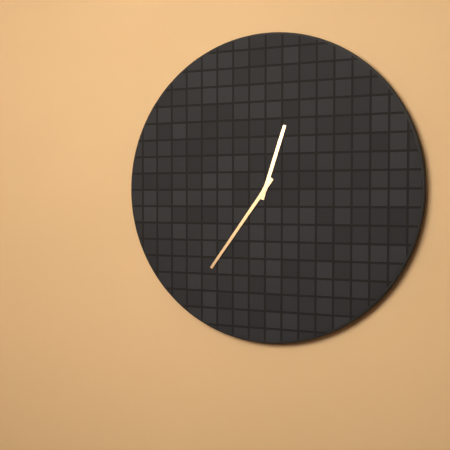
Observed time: **12:36**
